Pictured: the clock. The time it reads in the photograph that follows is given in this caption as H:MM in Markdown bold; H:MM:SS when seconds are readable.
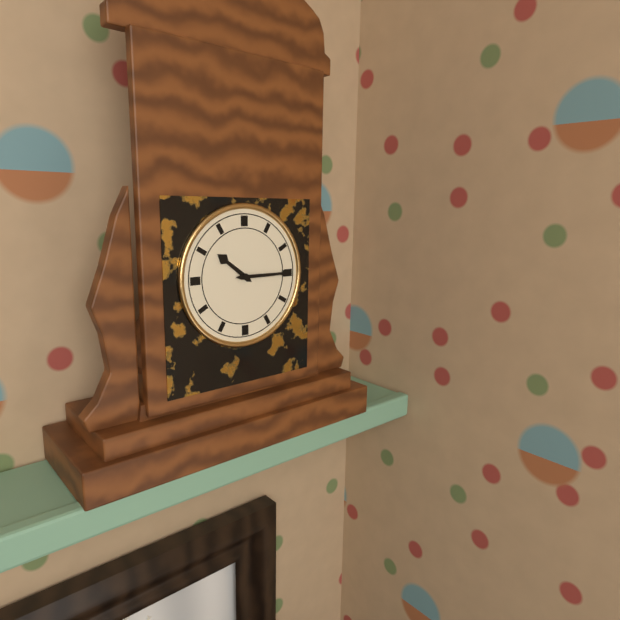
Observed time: **10:15**
